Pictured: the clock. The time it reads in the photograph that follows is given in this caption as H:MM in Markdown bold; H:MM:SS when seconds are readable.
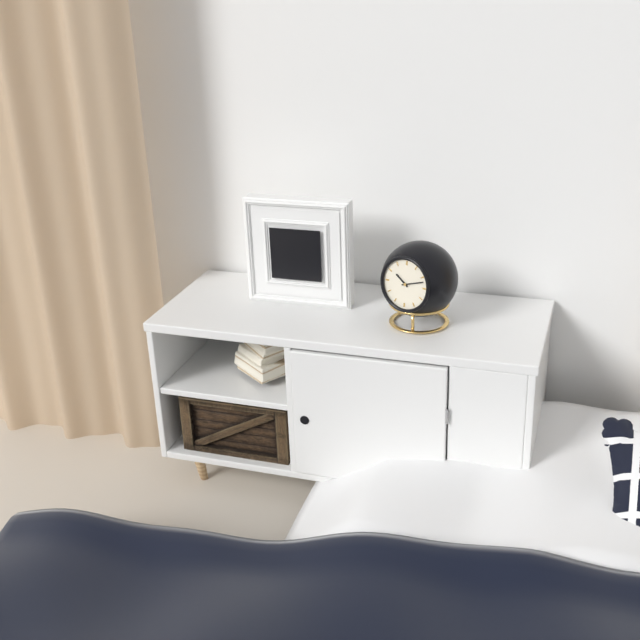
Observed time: **10:12**
